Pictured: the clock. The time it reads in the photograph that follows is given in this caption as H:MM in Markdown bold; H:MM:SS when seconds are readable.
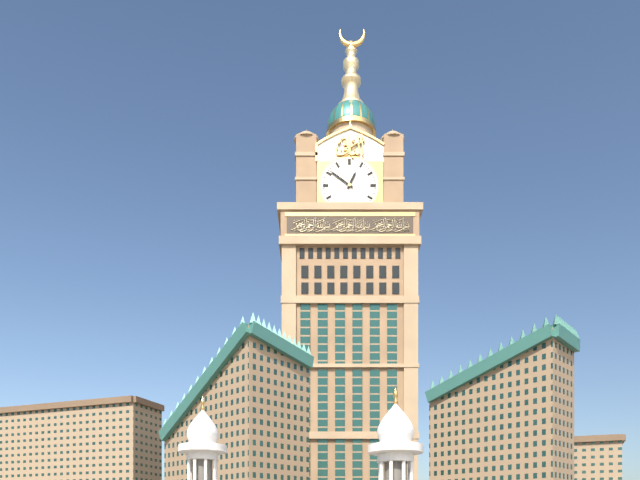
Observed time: **12:51**
